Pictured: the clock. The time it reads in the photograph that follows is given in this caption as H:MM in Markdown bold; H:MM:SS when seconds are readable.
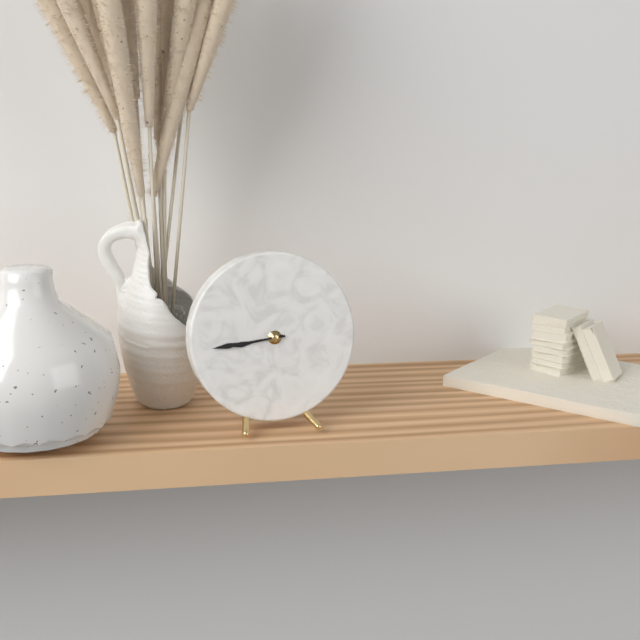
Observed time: **8:44**
